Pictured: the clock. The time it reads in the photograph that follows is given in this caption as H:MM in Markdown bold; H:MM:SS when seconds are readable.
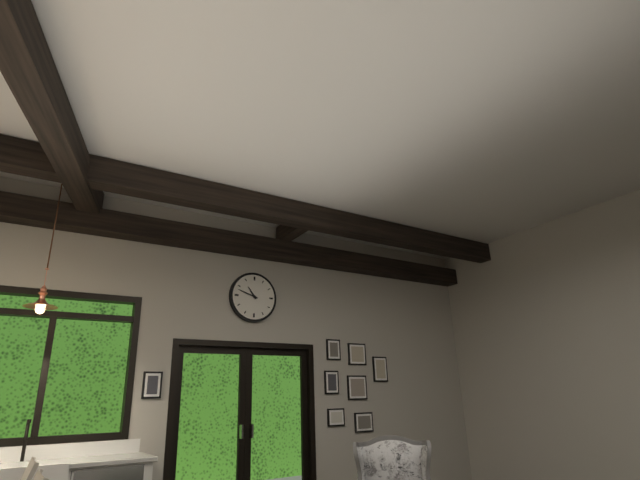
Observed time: **10:48**
